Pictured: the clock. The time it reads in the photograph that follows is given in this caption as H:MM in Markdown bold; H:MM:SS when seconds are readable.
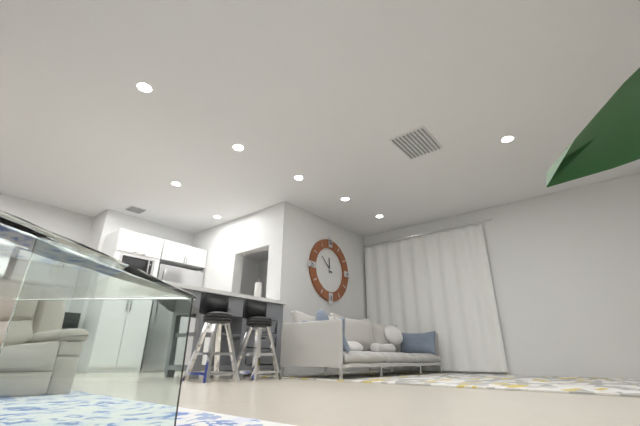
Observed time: **11:52**
